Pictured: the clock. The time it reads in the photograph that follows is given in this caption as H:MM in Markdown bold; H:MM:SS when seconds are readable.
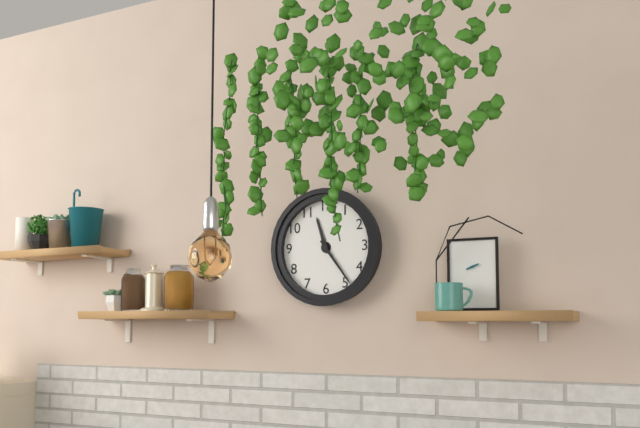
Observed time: **11:24**
